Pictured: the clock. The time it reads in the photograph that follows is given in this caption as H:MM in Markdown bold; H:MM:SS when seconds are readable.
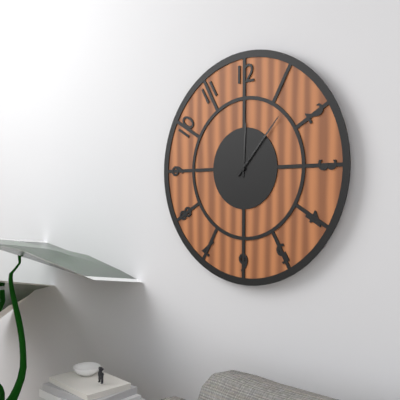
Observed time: **12:07**
